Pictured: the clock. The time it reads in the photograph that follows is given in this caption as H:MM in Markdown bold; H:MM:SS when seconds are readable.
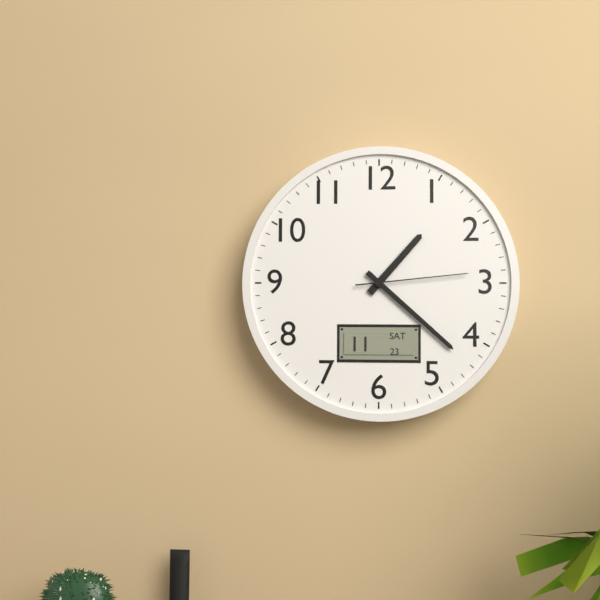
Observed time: **1:22:14**
